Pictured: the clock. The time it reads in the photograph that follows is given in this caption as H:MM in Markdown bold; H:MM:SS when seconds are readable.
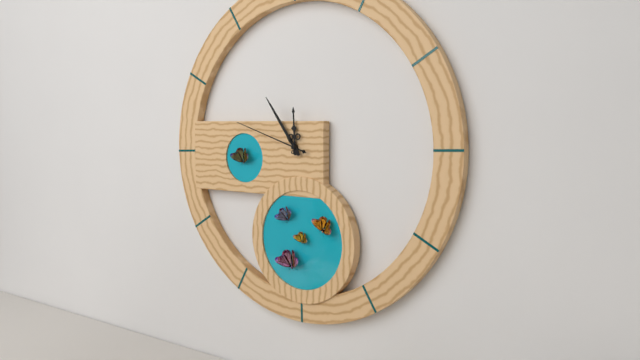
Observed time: **11:54:48**
